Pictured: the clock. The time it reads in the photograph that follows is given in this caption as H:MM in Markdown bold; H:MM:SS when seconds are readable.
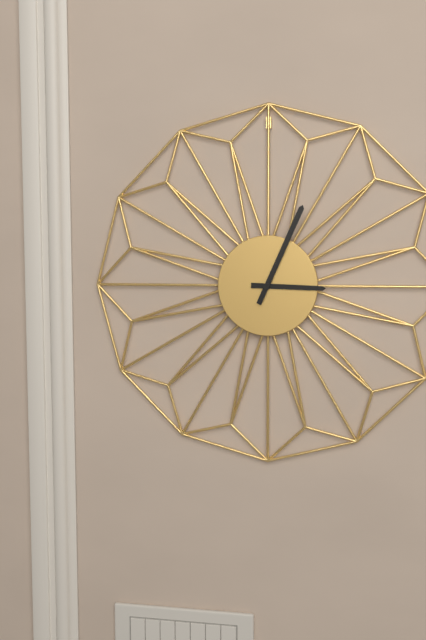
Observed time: **3:04**
